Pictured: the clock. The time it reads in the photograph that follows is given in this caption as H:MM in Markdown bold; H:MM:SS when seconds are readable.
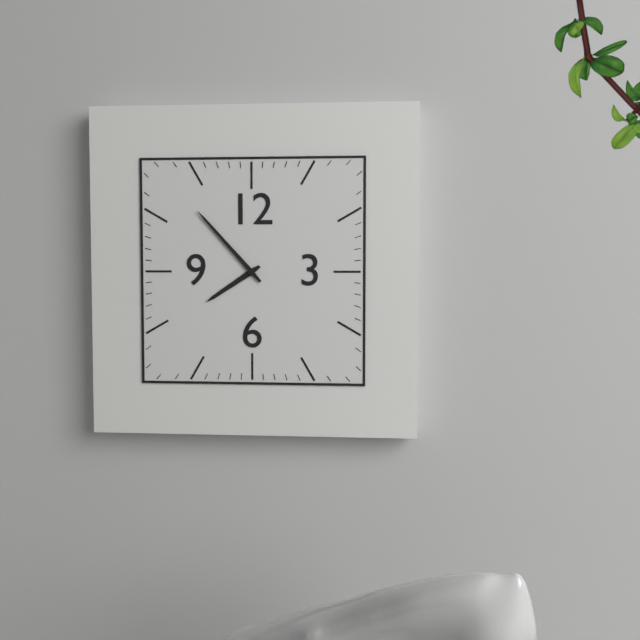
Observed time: **7:53**
